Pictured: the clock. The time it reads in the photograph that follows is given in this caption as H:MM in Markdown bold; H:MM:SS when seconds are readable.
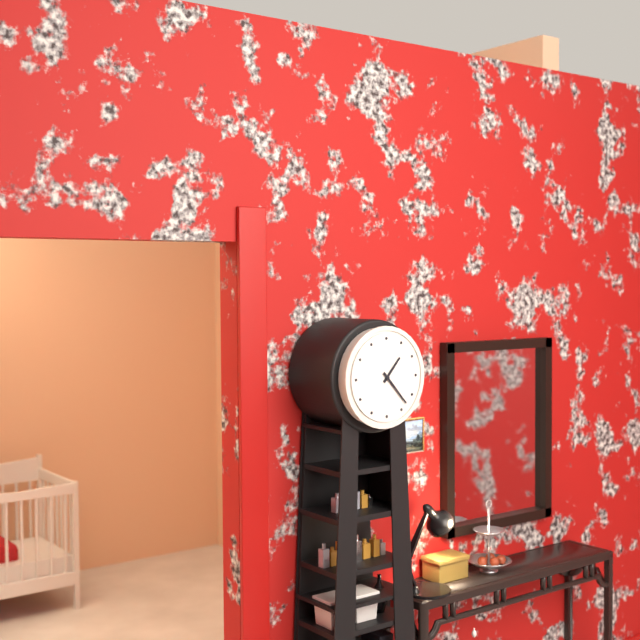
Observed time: **1:23**
